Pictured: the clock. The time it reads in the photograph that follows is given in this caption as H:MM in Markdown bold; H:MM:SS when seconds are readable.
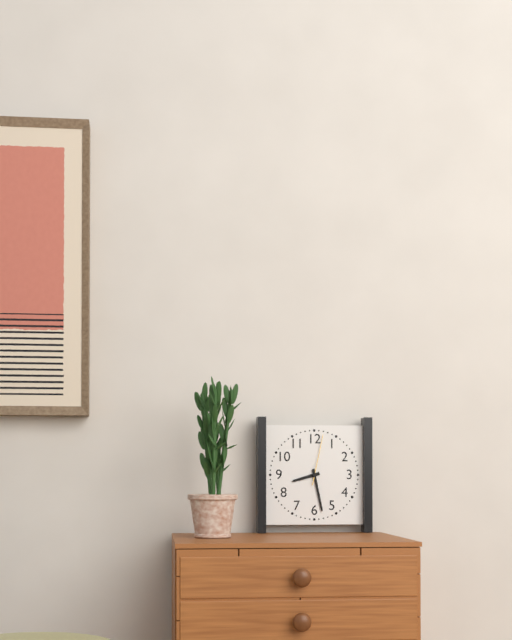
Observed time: **8:28:02**
